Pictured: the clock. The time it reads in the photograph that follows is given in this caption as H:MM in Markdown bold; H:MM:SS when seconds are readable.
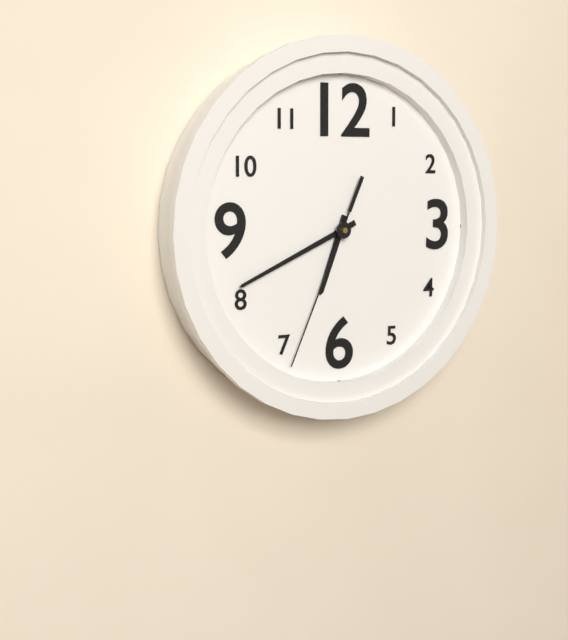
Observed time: **6:41:34**
